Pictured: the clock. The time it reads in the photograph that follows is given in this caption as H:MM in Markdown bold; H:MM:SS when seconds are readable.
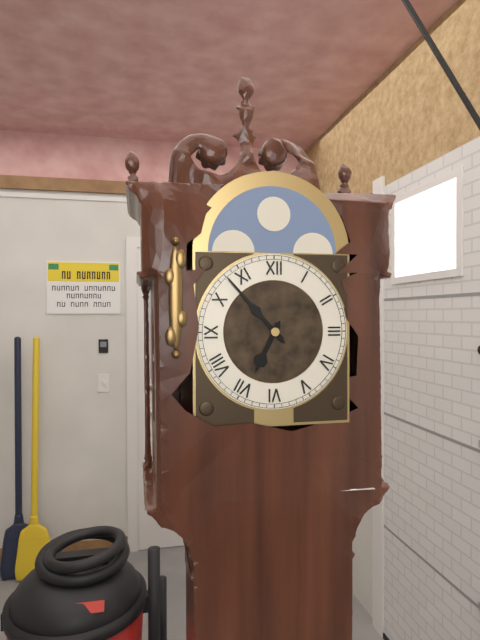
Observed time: **6:53**
